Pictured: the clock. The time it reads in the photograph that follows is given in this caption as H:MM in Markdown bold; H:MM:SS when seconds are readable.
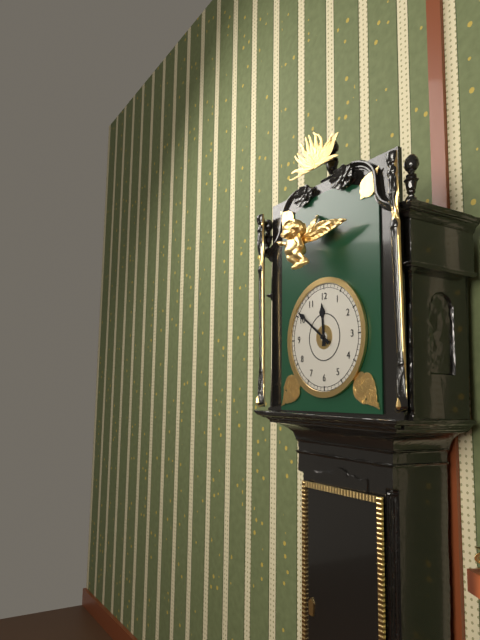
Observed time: **11:51**
